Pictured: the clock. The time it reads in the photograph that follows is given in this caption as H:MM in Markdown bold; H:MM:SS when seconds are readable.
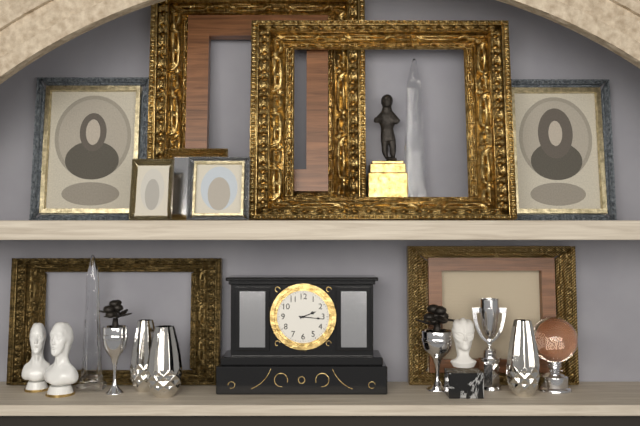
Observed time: **2:16**
